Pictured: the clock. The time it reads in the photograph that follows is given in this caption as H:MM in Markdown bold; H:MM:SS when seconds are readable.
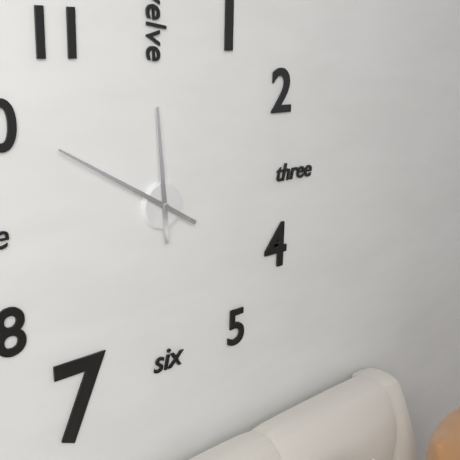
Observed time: **11:50**
